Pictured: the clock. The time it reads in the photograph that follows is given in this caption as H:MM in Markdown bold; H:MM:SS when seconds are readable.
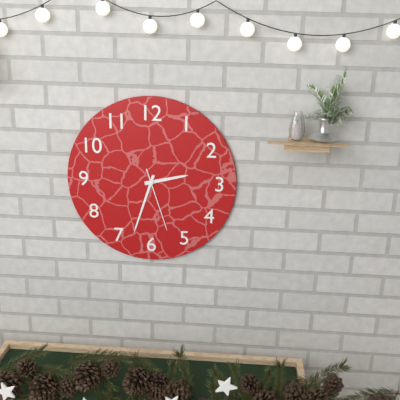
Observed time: **2:33:27**
